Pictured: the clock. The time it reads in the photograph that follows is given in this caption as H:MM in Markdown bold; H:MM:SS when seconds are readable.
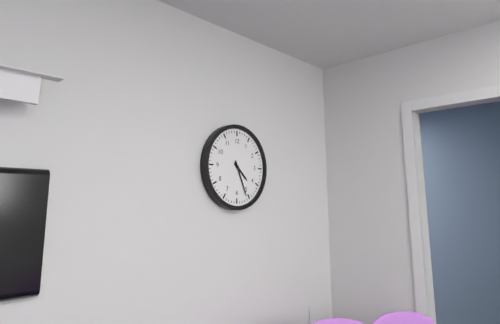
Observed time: **4:26**
